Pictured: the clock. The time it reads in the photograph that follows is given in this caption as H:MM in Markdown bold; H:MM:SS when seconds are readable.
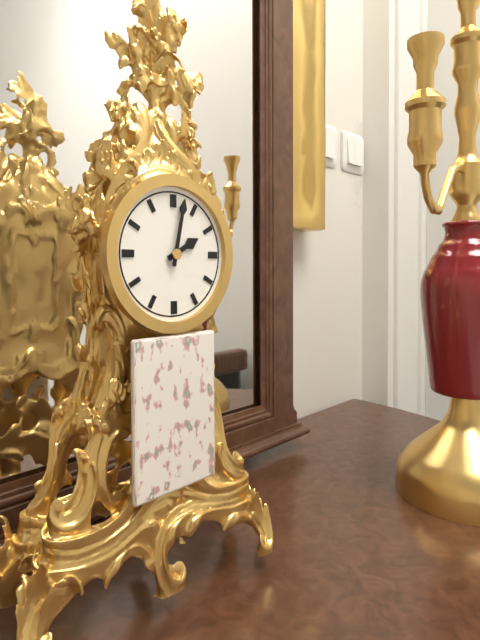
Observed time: **2:02**
